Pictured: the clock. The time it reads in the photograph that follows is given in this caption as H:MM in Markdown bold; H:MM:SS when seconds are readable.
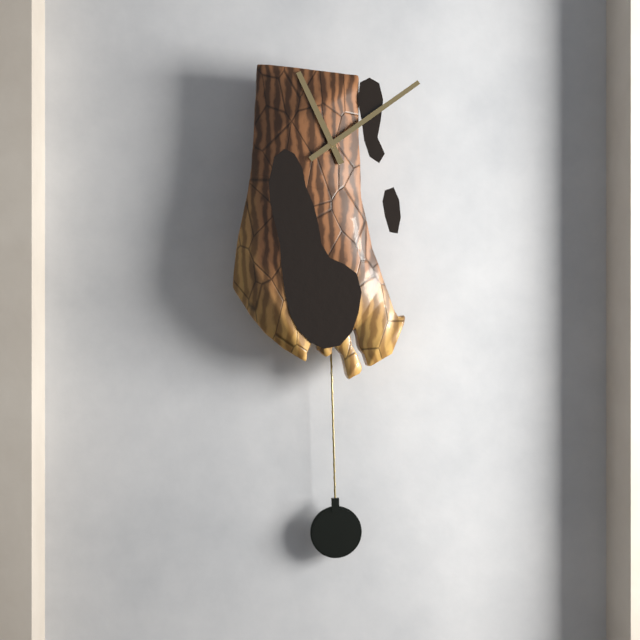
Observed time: **11:09**
